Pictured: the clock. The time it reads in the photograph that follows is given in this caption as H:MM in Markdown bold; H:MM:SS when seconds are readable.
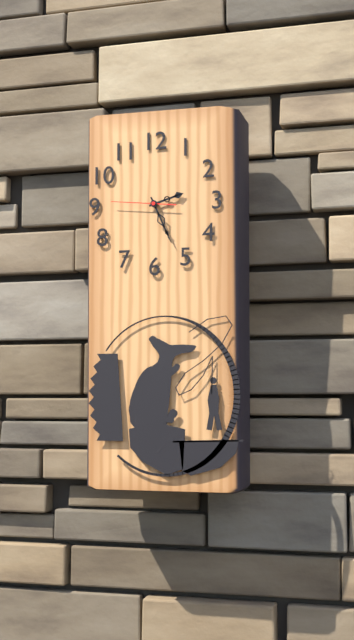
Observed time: **2:26:46**
